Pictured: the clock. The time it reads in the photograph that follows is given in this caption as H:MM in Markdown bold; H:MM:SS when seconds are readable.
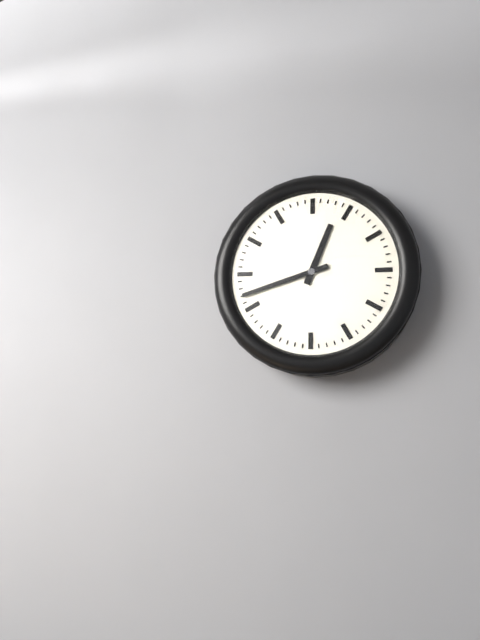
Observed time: **12:42**
